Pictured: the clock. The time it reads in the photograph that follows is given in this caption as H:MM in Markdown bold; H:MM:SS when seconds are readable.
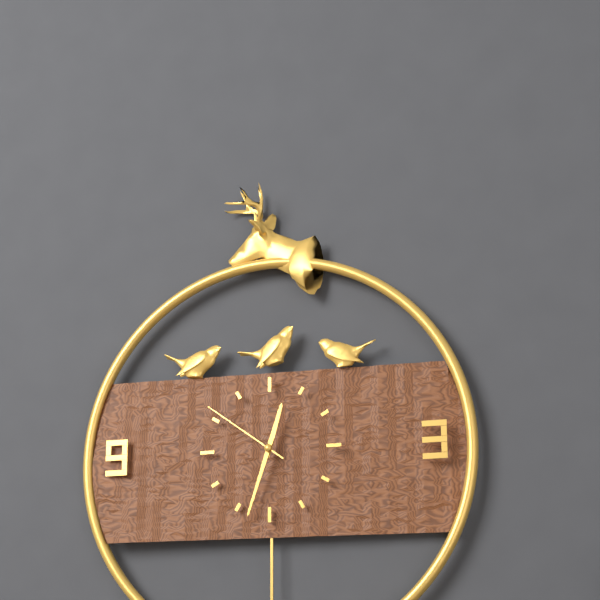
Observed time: **12:33:51**
